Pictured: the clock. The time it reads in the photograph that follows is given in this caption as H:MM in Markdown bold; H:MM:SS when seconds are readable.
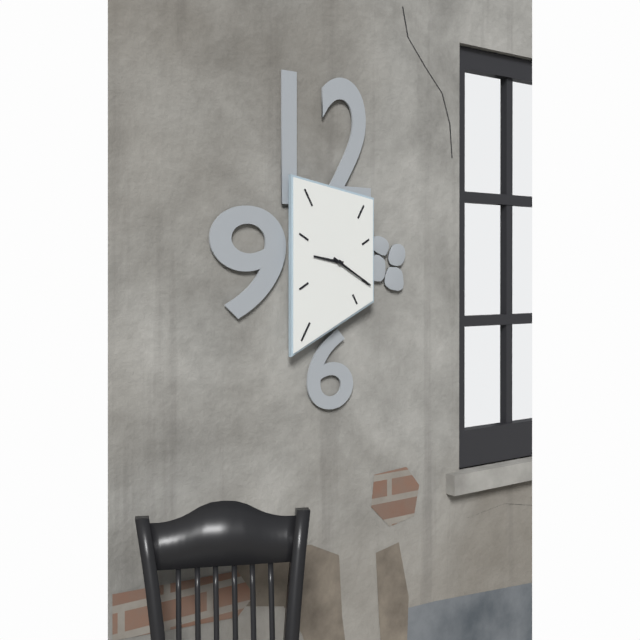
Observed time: **9:20**
